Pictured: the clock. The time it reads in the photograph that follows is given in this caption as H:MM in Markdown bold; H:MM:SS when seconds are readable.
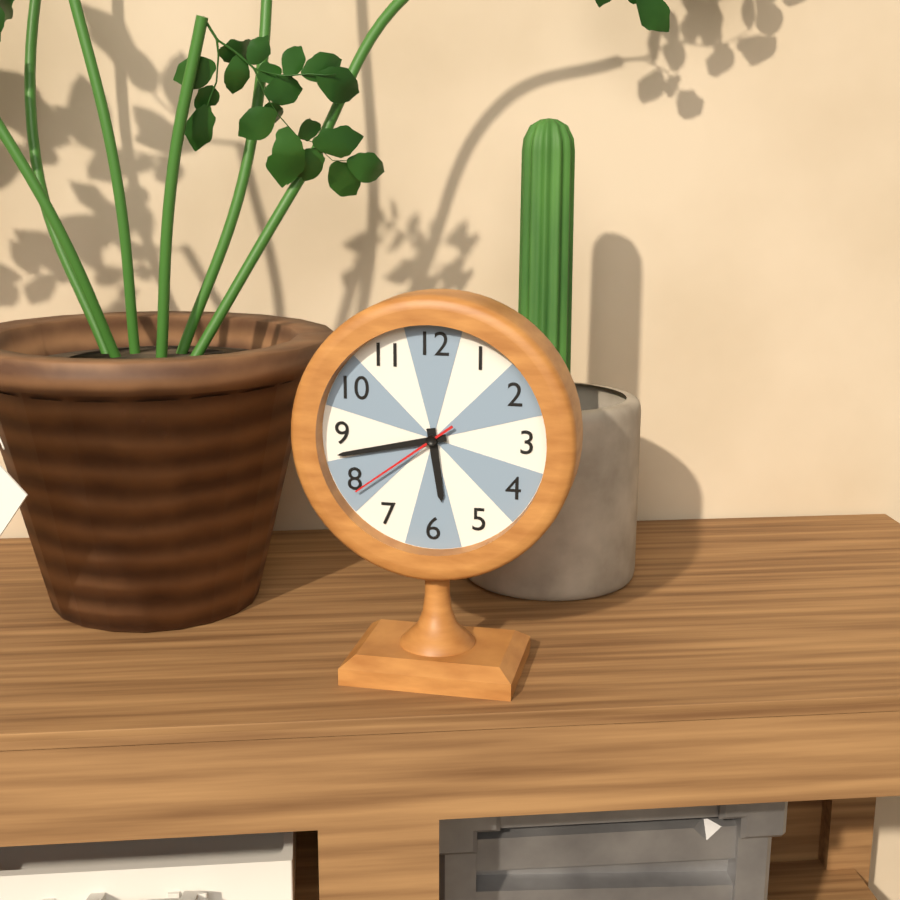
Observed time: **5:43:39**
